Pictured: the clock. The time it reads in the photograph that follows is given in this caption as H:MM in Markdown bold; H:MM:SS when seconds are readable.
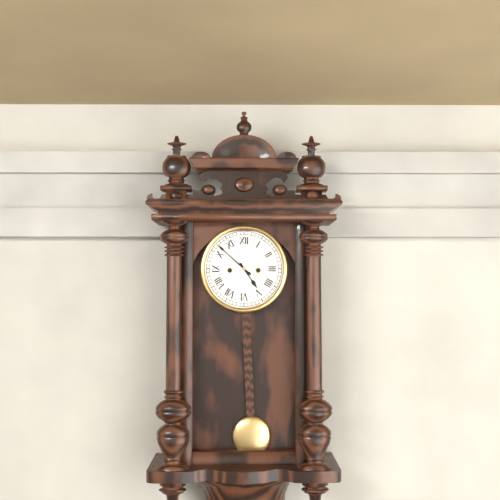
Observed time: **4:52**
